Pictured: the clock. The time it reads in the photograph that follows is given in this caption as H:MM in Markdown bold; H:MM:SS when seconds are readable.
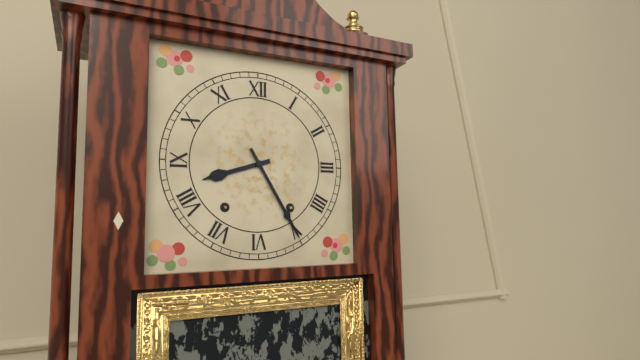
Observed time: **8:25**
